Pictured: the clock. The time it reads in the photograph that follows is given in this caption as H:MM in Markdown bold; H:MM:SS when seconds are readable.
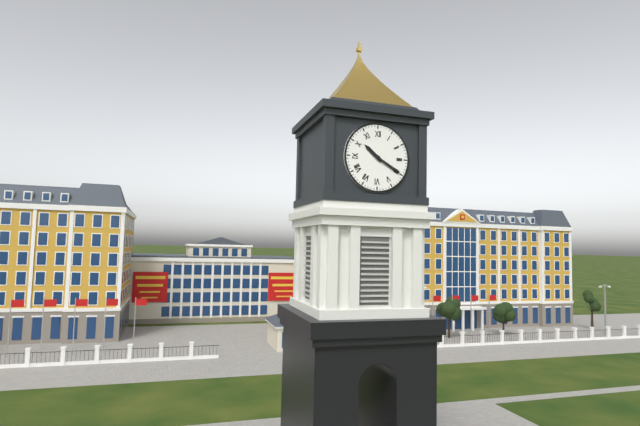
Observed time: **10:20**
